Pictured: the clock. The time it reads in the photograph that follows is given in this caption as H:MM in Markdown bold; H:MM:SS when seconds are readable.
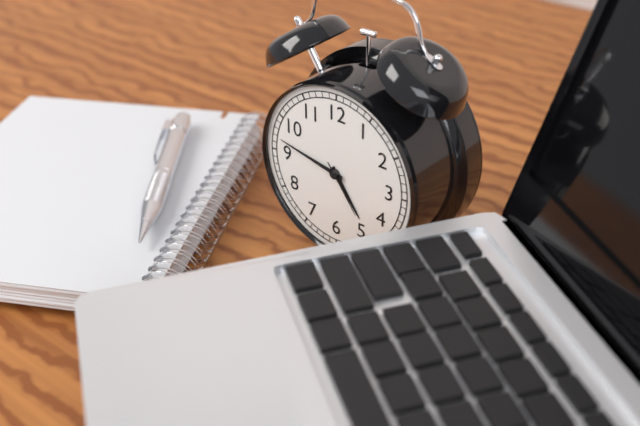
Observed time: **4:47:24**
